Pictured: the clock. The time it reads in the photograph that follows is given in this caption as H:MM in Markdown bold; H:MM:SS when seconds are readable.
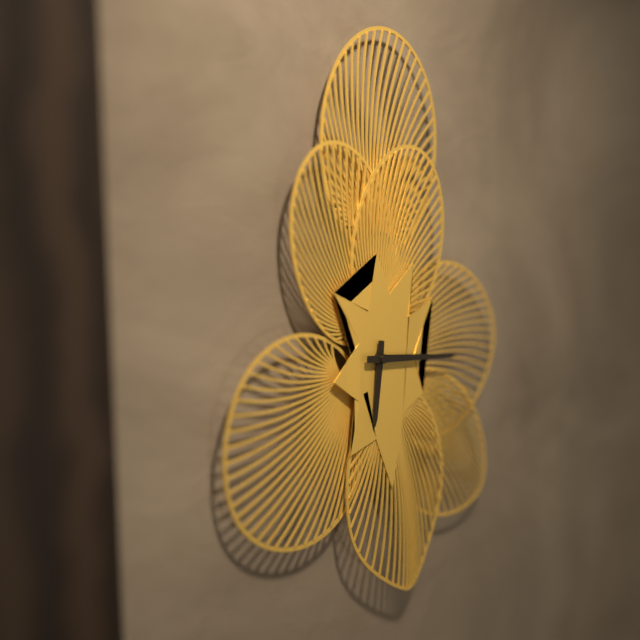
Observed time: **6:16**
